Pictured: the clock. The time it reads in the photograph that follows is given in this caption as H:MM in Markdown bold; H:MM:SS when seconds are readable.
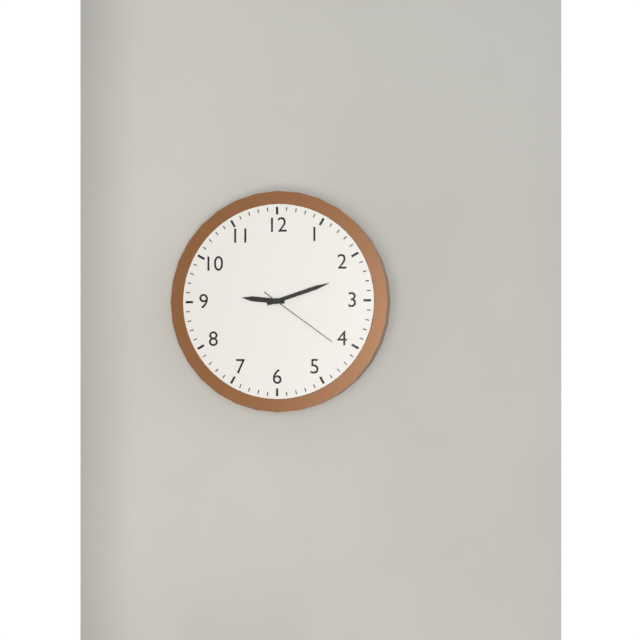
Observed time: **9:12:21**
